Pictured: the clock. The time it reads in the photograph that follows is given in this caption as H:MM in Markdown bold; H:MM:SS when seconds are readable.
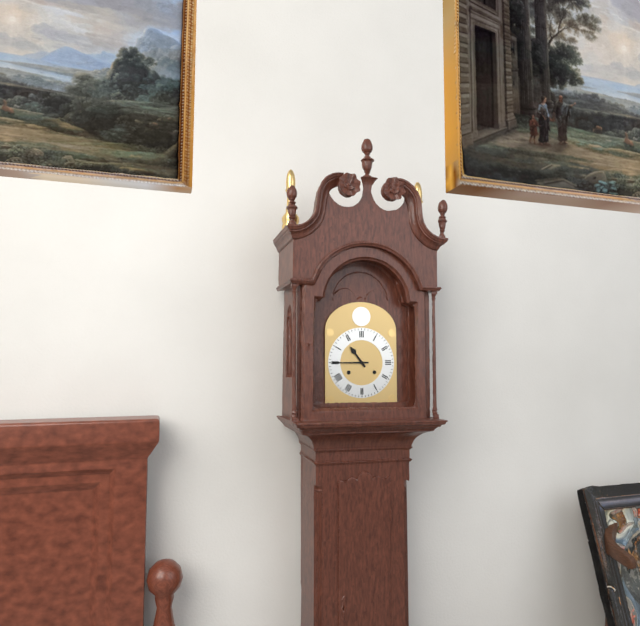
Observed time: **10:45**
